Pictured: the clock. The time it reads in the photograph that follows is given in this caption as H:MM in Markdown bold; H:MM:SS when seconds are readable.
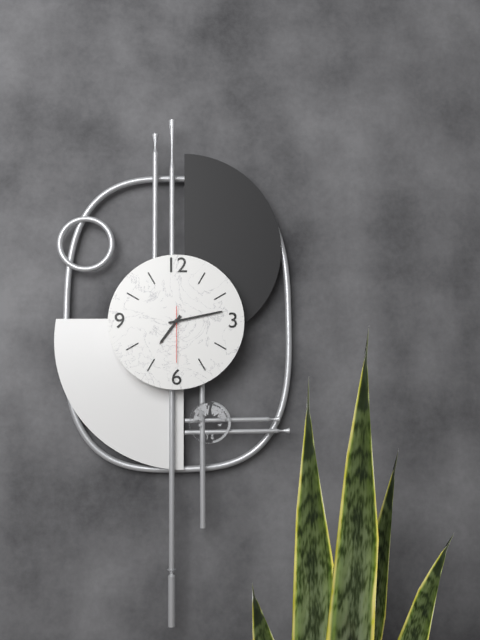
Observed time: **7:13:30**
